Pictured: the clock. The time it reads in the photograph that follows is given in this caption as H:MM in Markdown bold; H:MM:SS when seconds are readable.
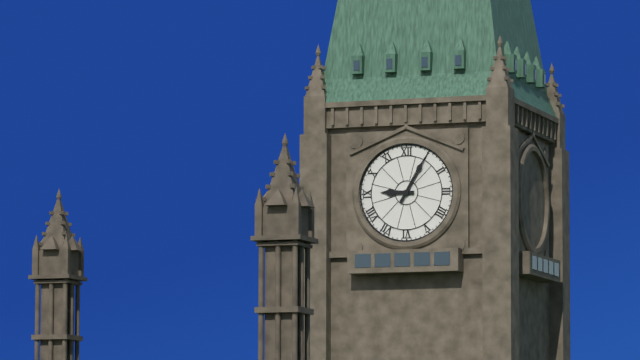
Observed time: **9:05**
